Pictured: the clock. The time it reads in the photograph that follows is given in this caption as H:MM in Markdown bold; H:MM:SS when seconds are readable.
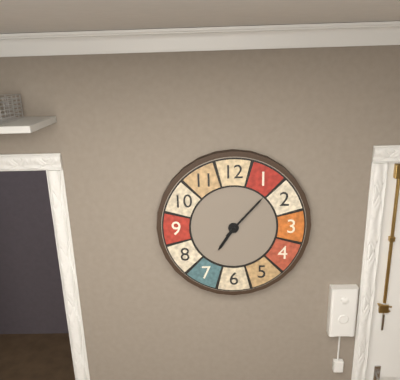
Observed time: **7:07**
